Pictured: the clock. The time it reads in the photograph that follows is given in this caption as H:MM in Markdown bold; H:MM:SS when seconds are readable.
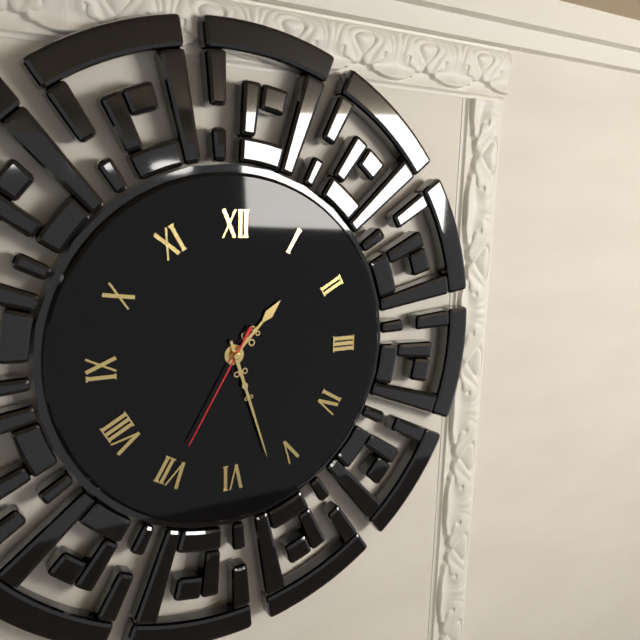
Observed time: **1:27:35**
